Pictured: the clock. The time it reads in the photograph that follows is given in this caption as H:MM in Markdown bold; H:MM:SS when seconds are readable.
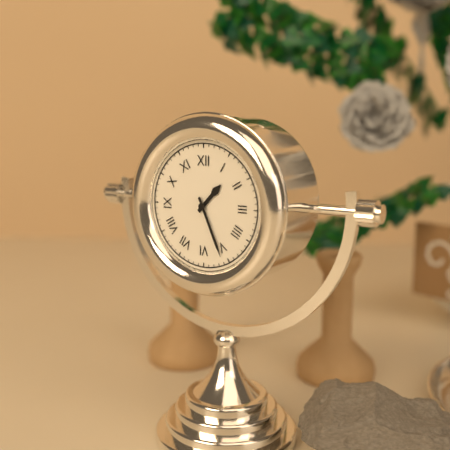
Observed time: **1:26**
